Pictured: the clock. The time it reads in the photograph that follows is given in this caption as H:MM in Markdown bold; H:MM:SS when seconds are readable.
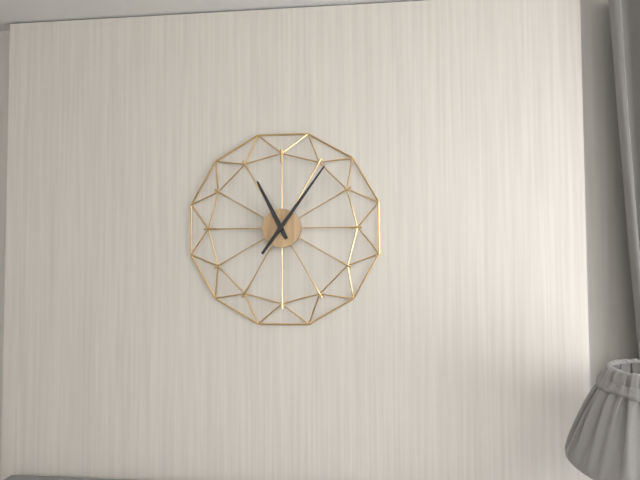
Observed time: **11:06**
